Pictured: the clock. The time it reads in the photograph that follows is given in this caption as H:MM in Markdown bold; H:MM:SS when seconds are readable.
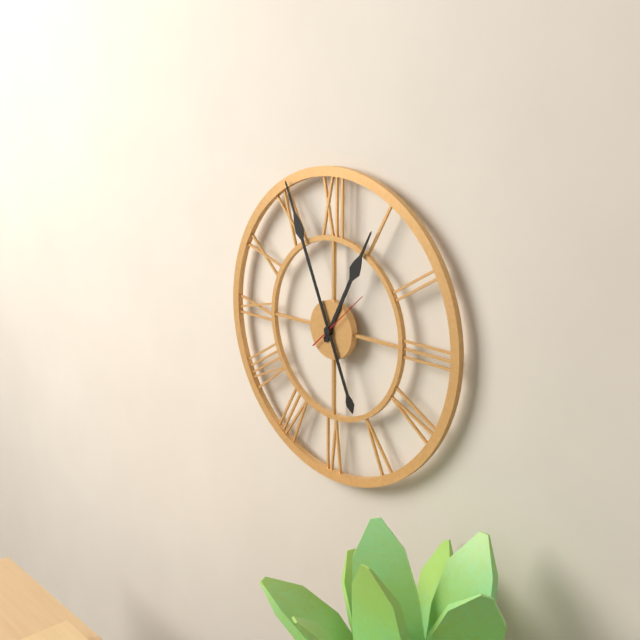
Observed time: **12:56:08**
